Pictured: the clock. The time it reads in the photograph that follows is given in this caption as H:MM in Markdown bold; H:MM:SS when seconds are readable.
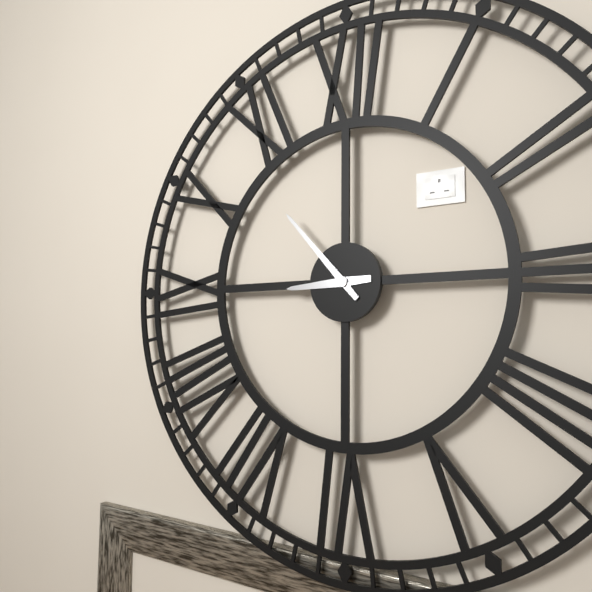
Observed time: **8:53**
